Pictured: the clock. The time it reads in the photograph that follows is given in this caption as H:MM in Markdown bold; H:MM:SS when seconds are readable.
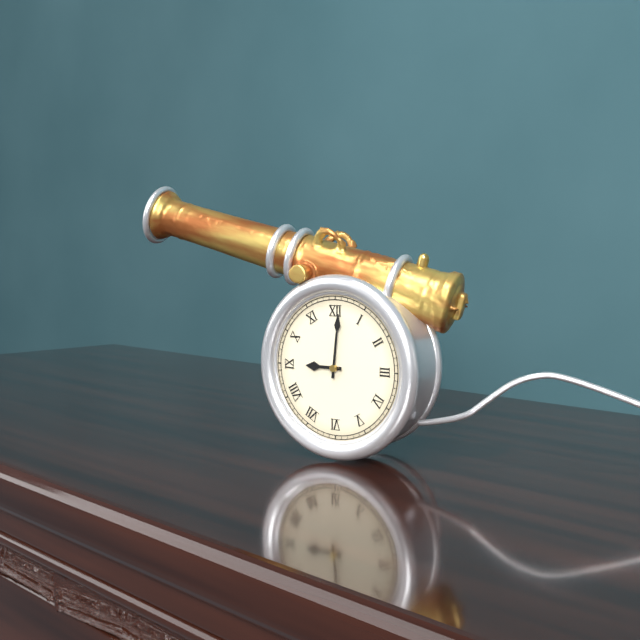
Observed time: **9:01**
